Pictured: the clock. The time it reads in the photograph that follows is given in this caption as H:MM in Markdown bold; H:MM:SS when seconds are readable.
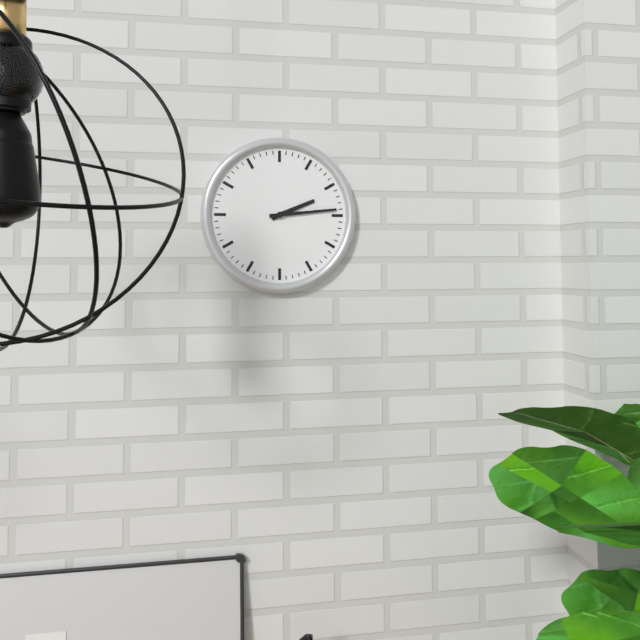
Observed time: **2:14**
